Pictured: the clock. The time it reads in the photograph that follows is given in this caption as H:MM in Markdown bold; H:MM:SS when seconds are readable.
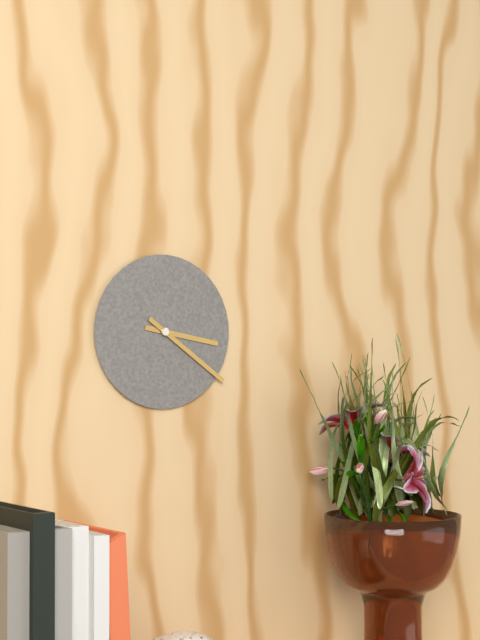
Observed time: **3:21**
